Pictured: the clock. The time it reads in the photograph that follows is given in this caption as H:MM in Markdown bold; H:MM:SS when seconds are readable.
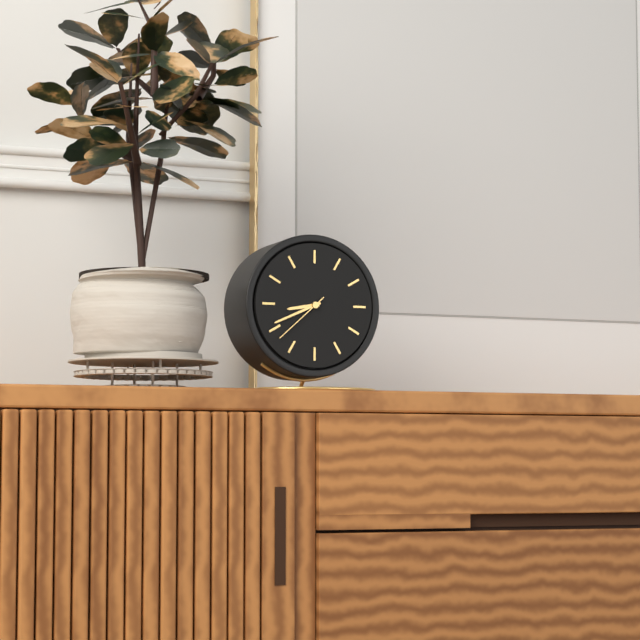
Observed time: **8:41:38**
